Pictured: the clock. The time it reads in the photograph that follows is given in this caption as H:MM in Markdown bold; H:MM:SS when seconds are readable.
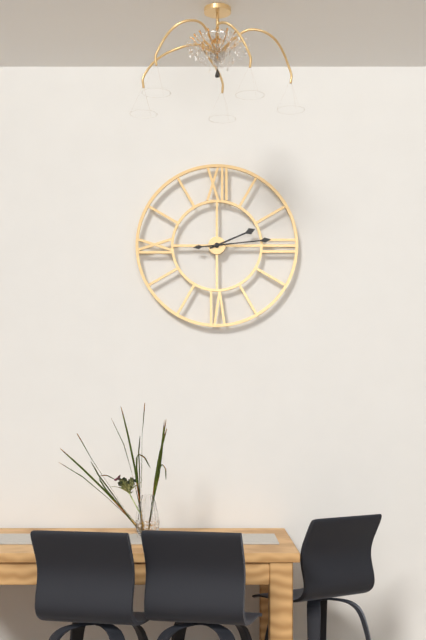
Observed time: **2:14**
